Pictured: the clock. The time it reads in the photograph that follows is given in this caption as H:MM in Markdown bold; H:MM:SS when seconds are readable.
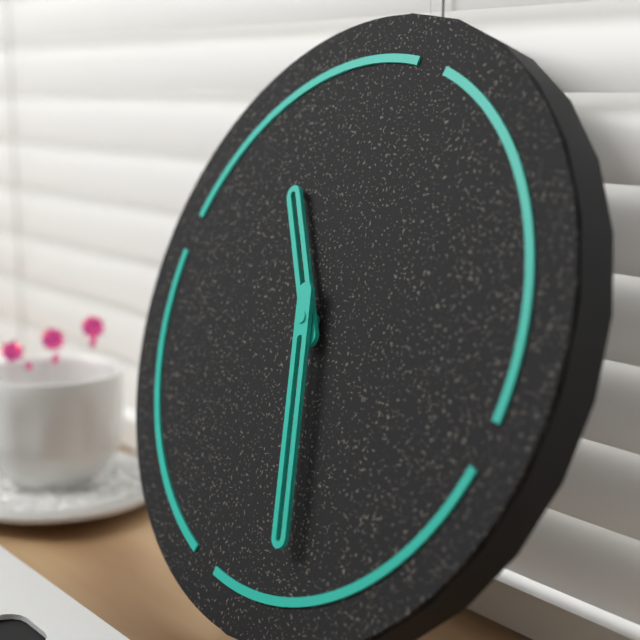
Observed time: **10:25**
